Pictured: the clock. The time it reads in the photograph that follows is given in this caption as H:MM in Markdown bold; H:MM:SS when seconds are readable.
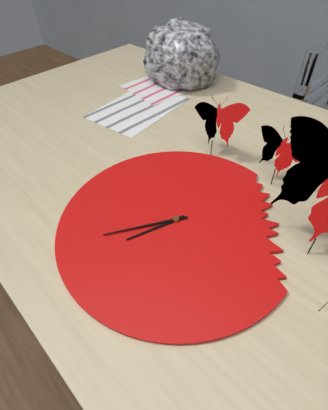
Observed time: **6:35**
